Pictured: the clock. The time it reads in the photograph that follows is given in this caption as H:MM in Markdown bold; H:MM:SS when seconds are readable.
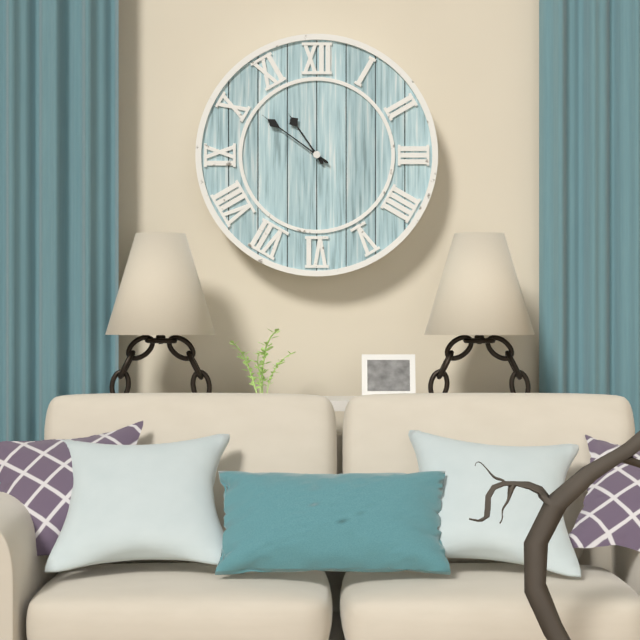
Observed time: **10:51**
